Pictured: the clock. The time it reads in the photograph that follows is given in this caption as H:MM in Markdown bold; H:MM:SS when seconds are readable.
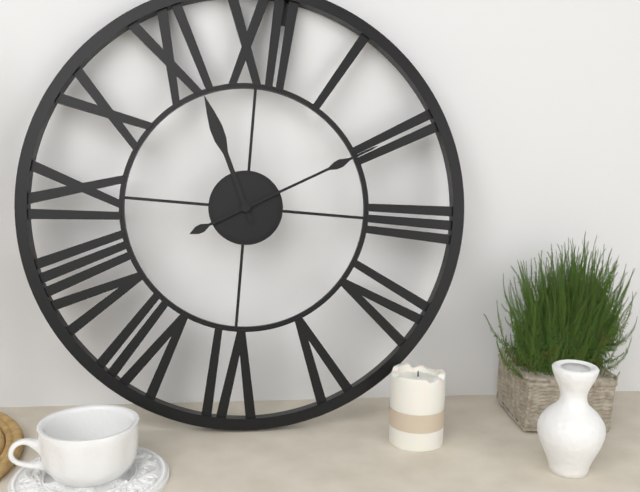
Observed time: **11:10**
